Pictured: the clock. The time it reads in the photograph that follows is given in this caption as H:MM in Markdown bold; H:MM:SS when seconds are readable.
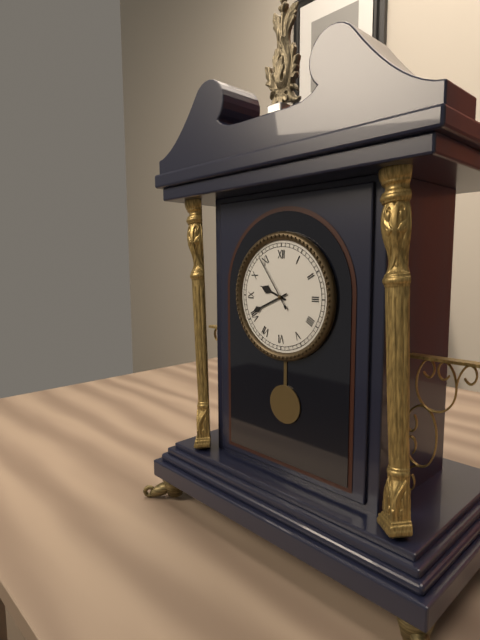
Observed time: **9:41:54**
